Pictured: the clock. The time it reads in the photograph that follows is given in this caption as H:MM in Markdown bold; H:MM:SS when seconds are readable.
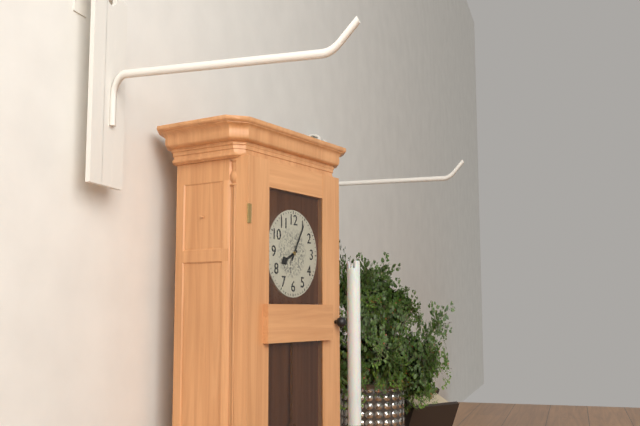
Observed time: **8:05**
